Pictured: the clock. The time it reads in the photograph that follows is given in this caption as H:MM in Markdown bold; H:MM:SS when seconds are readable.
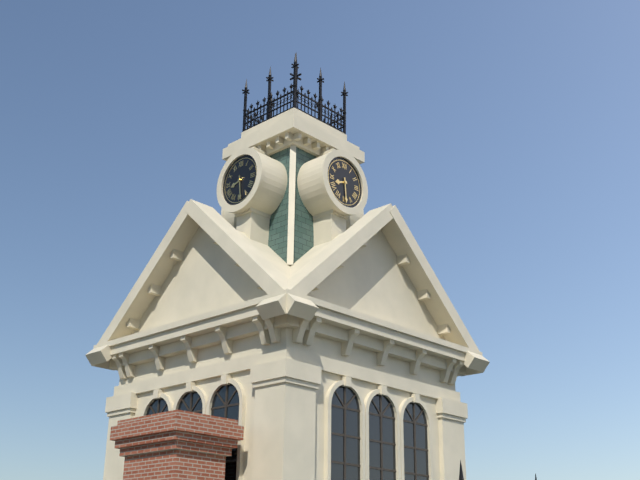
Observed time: **8:29**
